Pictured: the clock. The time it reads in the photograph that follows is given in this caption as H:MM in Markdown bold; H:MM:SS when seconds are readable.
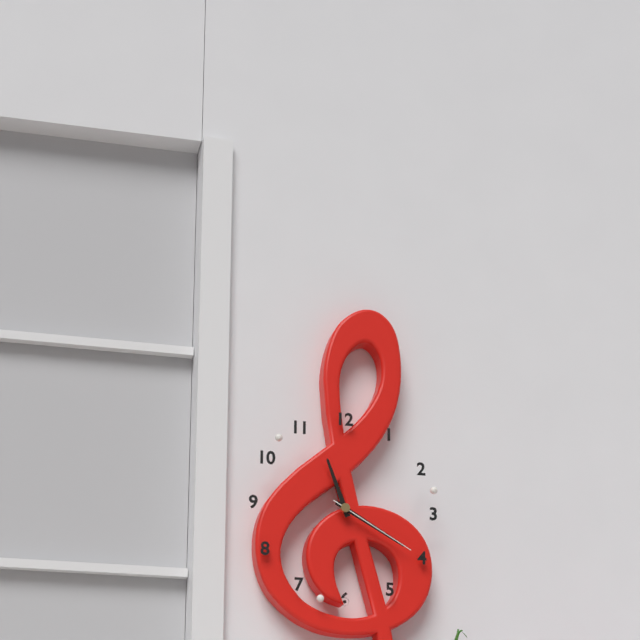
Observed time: **11:20:20**
